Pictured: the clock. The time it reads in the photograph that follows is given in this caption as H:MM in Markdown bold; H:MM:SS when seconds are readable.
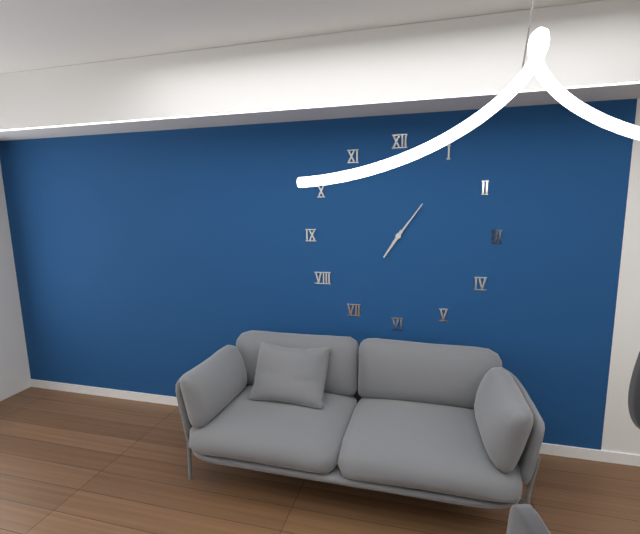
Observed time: **7:06**
